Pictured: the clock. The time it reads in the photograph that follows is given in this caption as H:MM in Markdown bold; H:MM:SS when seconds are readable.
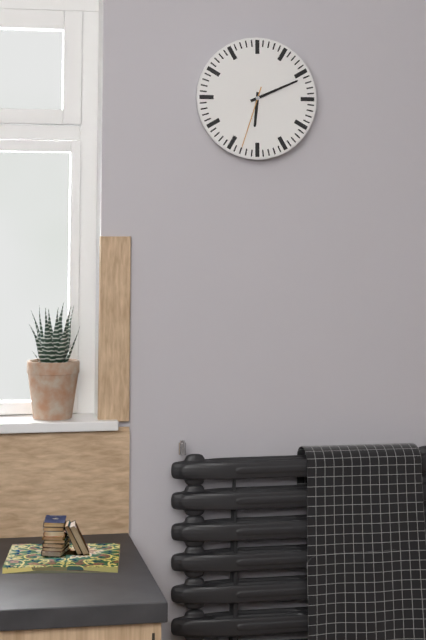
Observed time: **6:11:33**
